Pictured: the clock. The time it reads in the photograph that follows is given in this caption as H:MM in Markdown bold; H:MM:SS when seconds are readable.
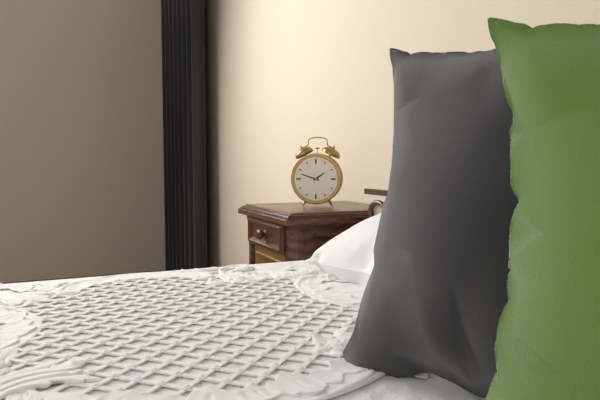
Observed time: **1:48**
